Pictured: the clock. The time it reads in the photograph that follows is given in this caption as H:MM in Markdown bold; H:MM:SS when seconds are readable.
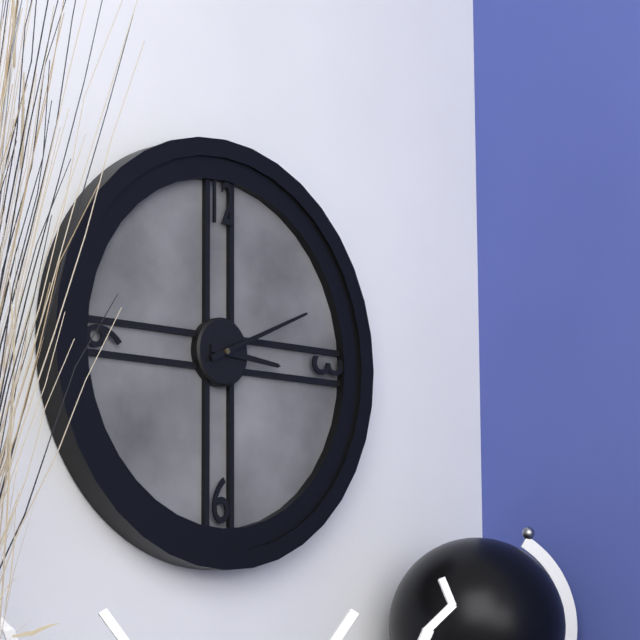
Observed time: **3:11**
